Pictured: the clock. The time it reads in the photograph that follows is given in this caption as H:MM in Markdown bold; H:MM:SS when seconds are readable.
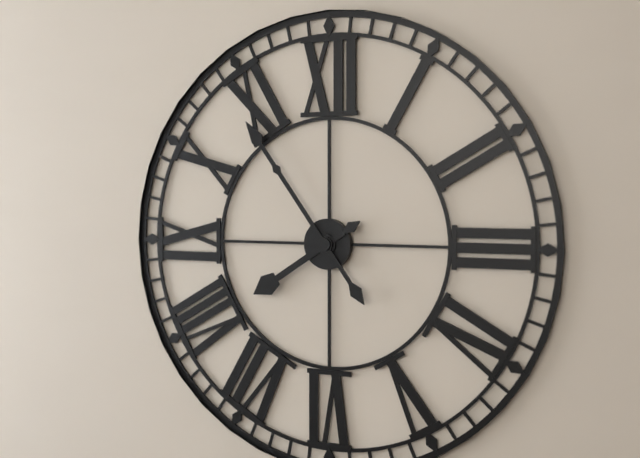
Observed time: **7:54**
